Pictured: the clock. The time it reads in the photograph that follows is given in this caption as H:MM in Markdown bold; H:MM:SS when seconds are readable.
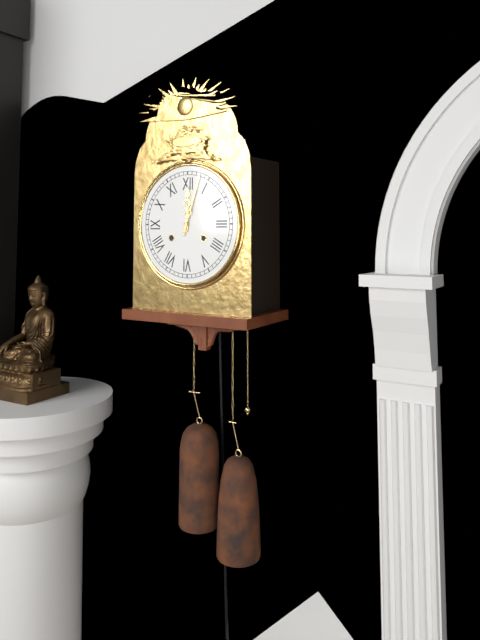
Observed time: **12:03**
